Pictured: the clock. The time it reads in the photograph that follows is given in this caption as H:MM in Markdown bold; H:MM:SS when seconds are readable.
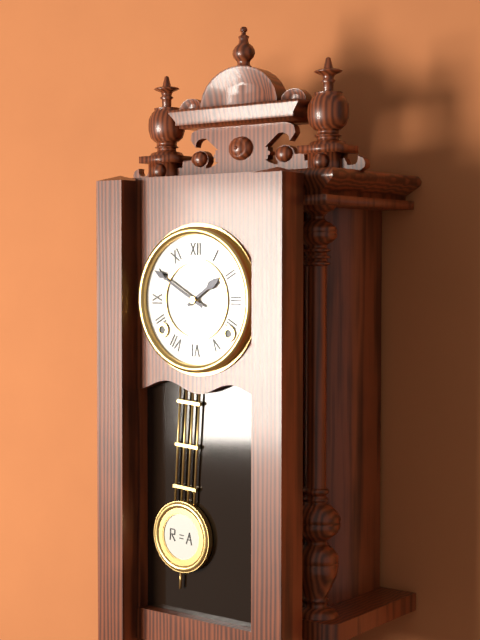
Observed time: **1:50**
